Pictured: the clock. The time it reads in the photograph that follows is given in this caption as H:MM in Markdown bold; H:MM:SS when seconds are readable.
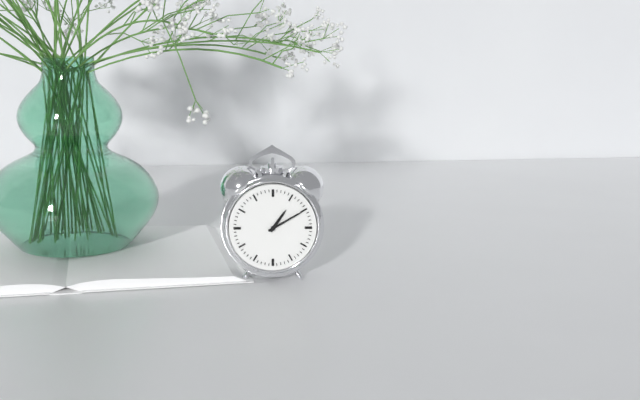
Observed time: **1:10**
